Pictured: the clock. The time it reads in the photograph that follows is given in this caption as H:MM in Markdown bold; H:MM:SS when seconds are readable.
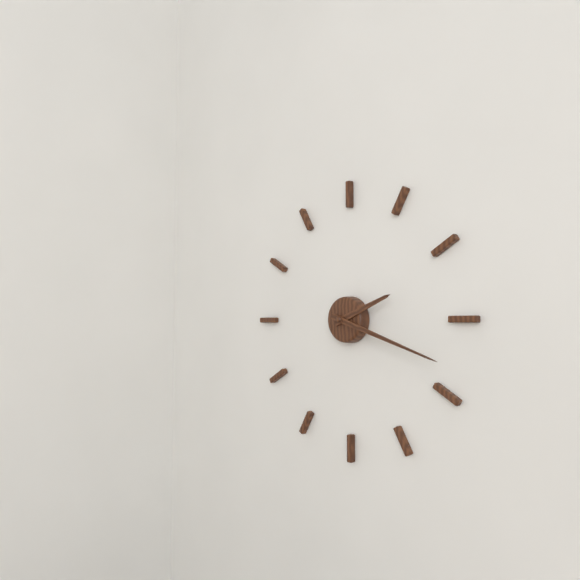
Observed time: **2:18**
